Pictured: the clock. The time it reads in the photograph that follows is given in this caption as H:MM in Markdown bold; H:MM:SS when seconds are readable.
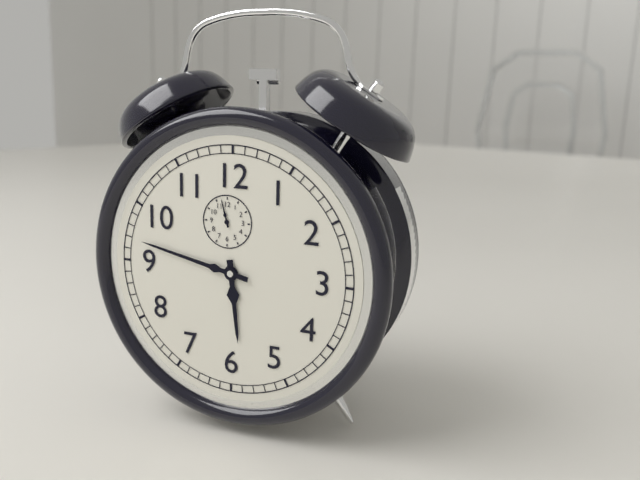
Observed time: **5:47**
